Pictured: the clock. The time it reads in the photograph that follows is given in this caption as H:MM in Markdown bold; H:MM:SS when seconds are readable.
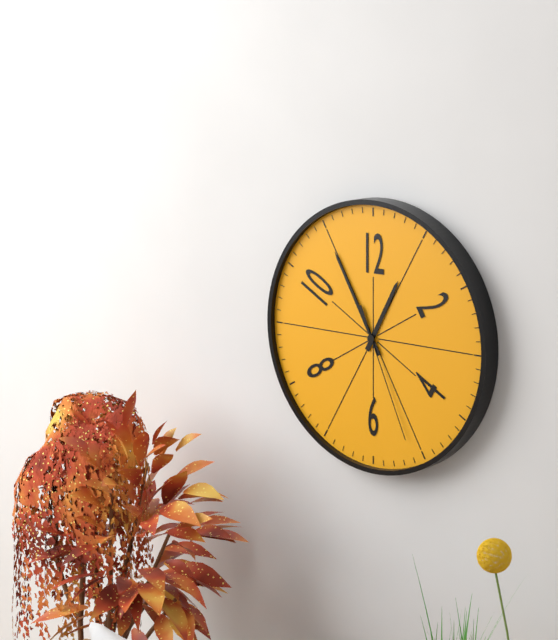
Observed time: **12:55:26**
